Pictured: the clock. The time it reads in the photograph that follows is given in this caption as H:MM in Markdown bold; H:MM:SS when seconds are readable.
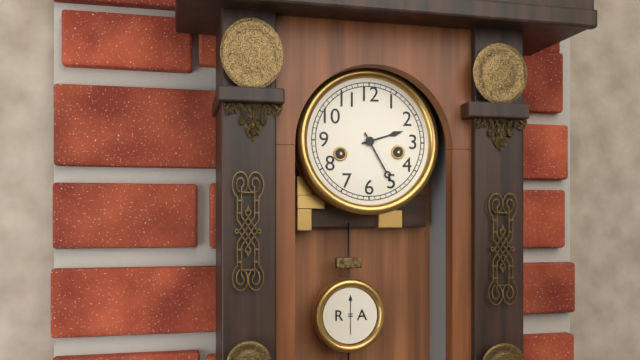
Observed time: **2:25**
